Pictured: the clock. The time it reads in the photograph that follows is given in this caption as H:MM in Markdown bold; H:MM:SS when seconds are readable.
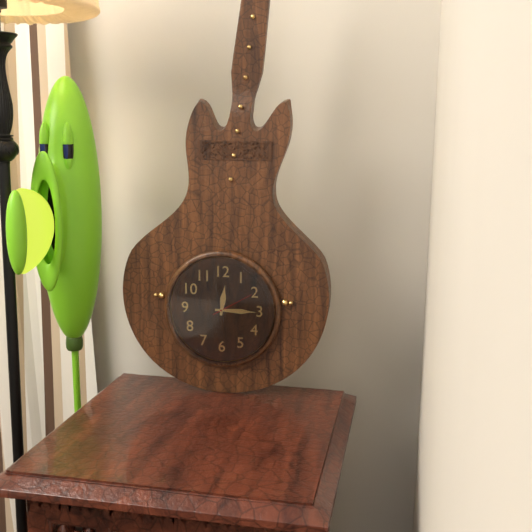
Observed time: **12:15**
